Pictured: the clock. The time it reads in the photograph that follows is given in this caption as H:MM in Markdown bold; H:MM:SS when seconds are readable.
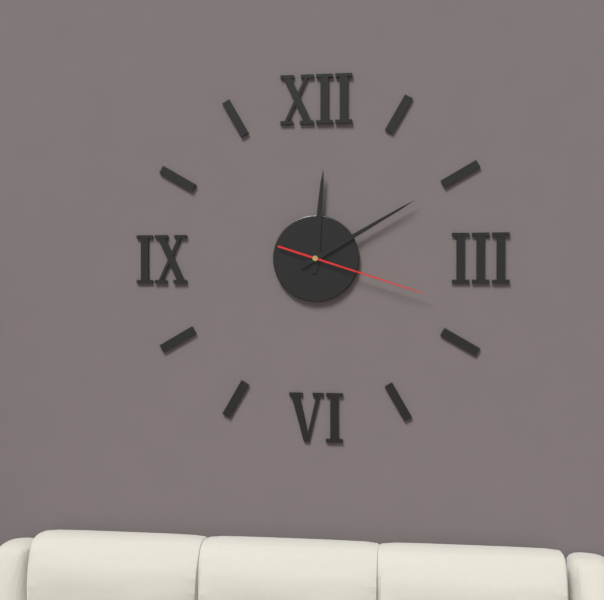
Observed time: **12:10:18**
